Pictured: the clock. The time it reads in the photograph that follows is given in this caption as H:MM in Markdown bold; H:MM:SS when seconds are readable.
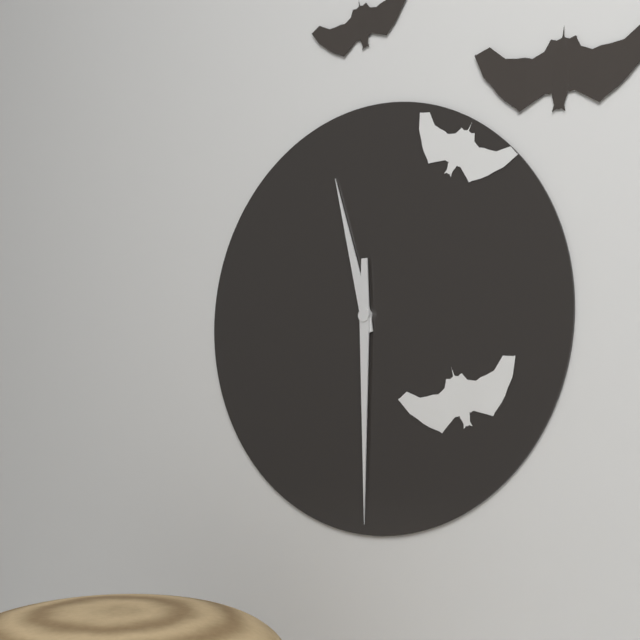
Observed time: **11:30**
